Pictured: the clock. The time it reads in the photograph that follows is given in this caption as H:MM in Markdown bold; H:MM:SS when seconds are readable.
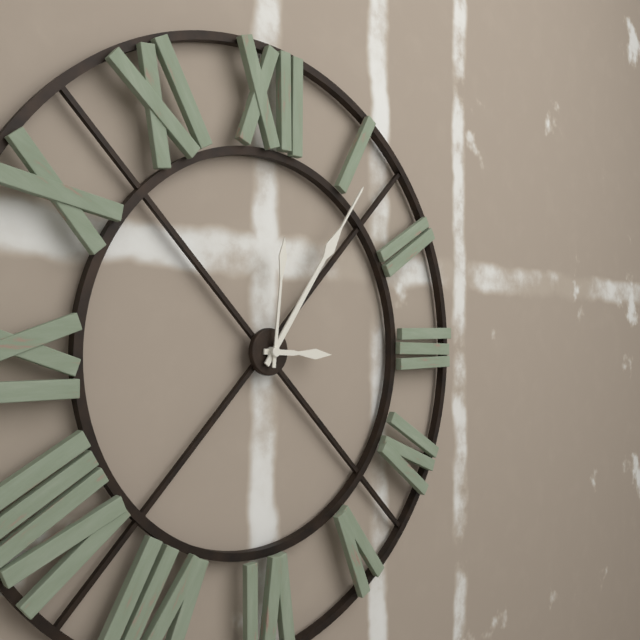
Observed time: **3:06:01**
